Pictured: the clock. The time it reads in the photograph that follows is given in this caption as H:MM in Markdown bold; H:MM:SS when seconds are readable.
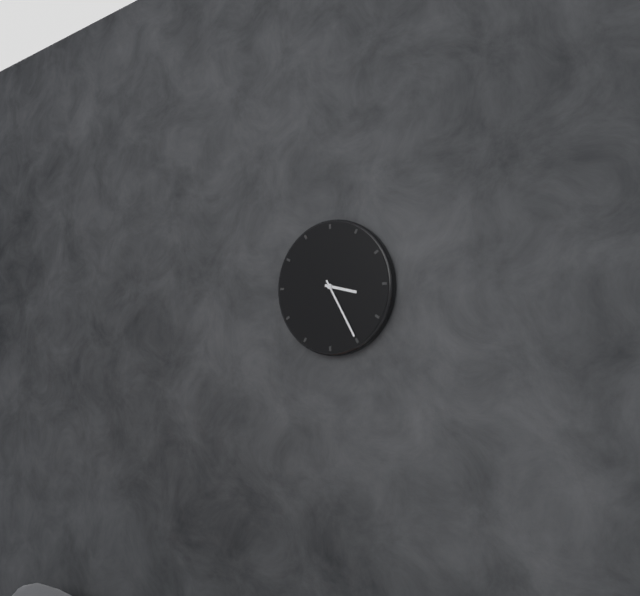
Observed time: **3:25**
